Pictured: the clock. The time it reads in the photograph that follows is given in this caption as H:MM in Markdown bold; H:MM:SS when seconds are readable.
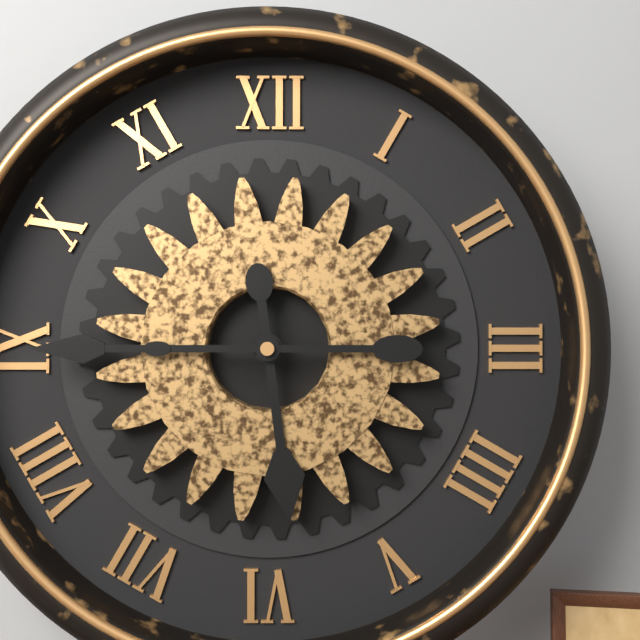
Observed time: **5:45**
